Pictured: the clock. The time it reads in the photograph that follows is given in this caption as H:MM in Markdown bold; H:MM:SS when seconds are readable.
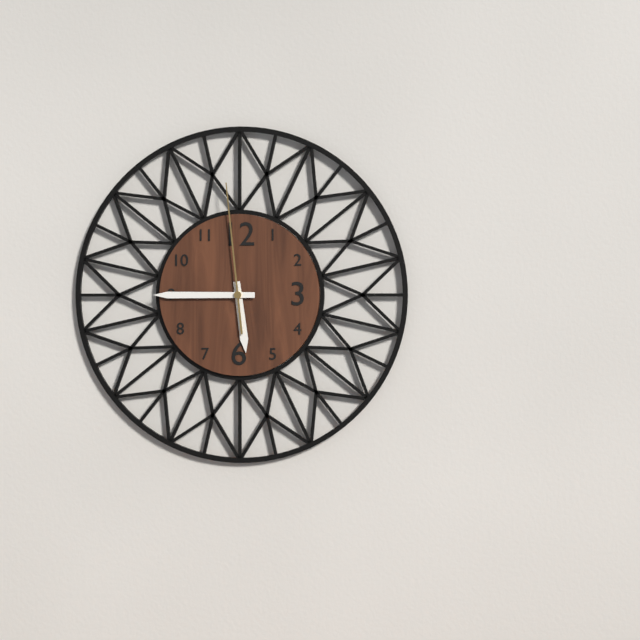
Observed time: **5:45:59**
